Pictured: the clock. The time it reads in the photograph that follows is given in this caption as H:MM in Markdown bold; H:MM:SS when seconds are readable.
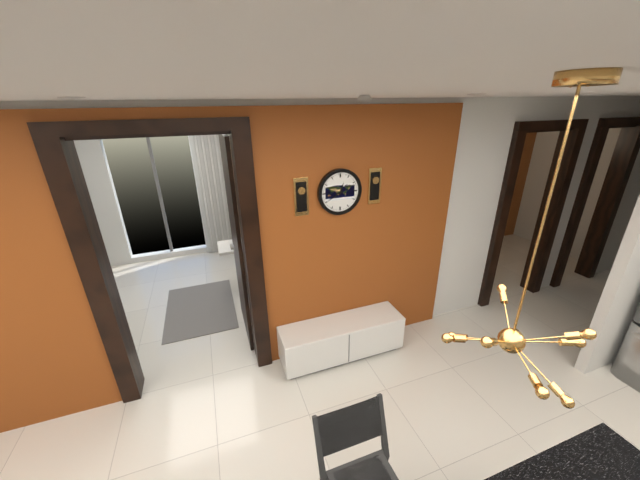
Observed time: **12:40**
